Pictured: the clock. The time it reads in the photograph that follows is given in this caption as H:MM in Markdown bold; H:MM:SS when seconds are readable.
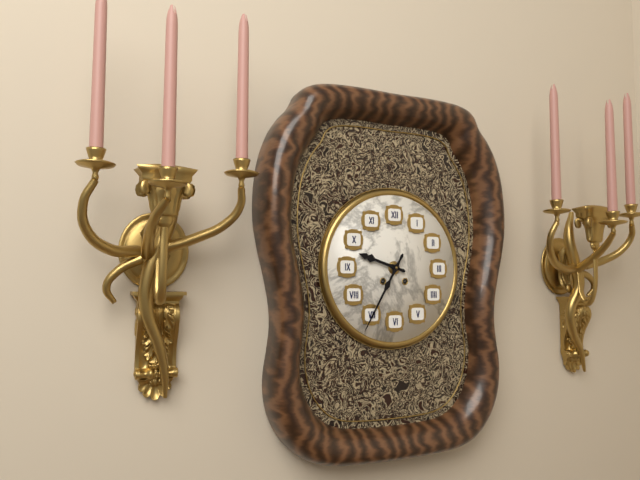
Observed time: **9:35**
